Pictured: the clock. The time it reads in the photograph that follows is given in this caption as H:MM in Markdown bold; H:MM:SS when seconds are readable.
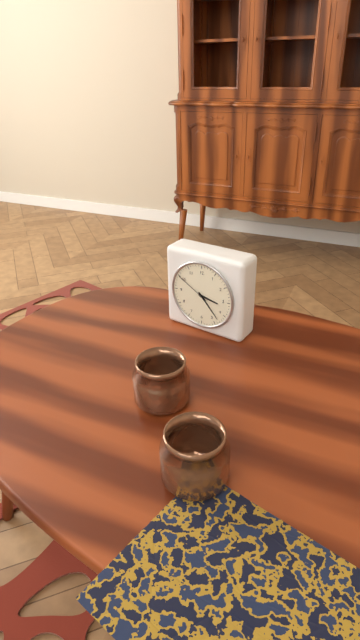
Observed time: **3:23**
